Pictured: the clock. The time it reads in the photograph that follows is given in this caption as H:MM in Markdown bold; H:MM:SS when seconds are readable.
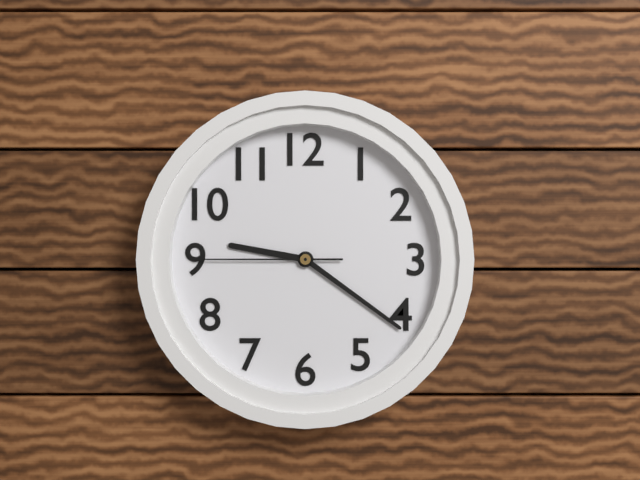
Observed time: **9:21:45**
